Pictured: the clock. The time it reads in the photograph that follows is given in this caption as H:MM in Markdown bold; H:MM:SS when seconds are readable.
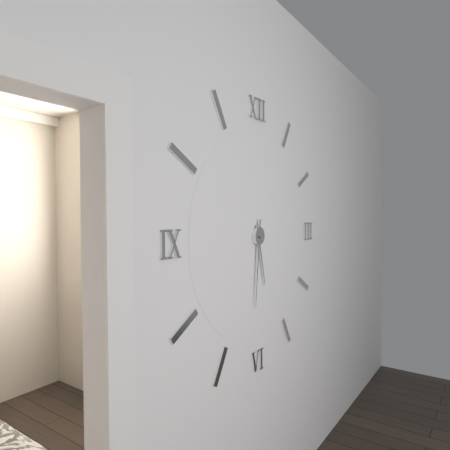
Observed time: **5:31**
